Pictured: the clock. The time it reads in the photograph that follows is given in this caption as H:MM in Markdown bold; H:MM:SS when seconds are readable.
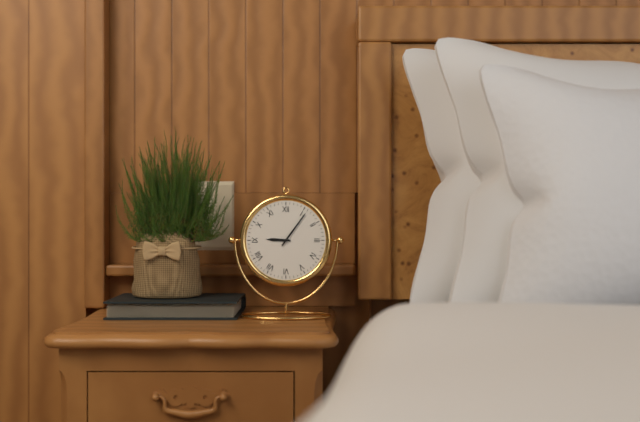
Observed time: **9:06**
